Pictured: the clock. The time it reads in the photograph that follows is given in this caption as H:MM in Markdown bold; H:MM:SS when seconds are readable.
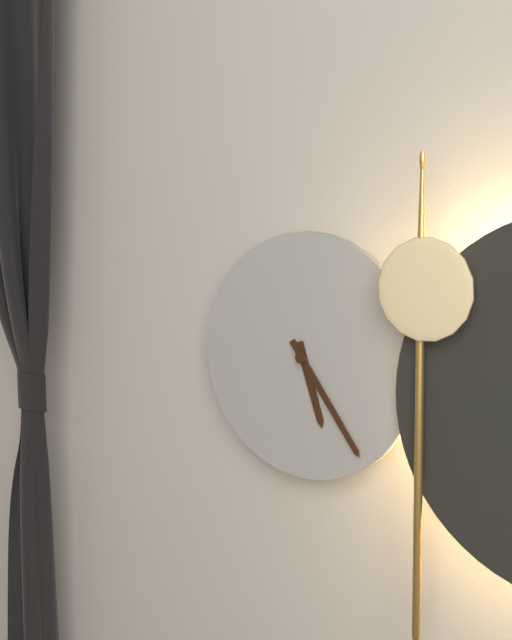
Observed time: **5:24**
